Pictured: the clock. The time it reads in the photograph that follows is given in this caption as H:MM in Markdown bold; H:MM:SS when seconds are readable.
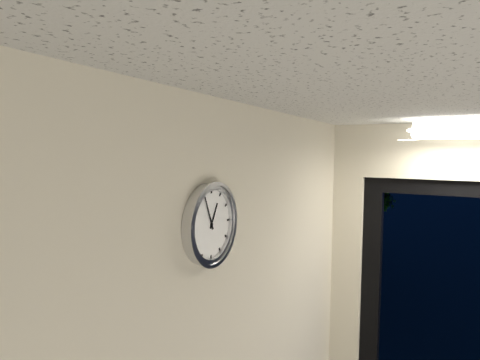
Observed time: **12:56**
